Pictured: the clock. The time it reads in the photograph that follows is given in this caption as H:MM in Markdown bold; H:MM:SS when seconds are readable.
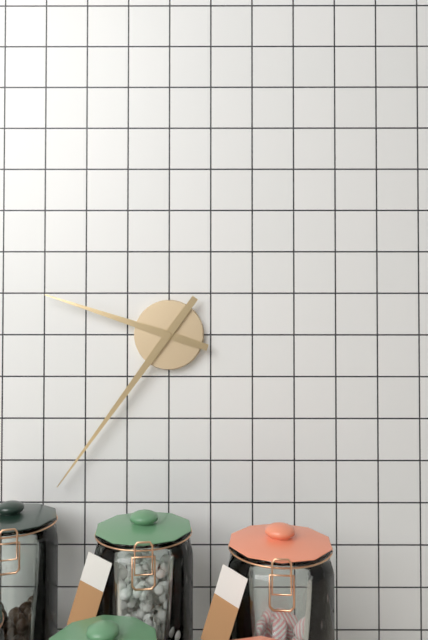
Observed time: **9:36**
